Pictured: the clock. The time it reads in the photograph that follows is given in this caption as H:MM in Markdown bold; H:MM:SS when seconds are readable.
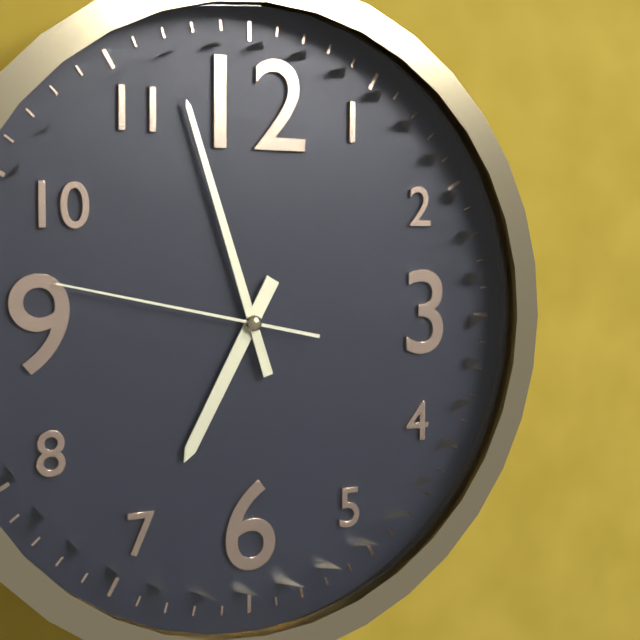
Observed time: **6:57:47**
